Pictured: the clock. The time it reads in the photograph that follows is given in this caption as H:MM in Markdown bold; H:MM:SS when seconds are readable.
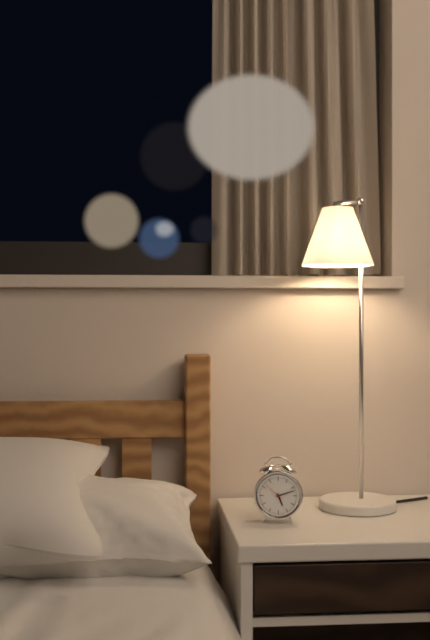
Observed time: **5:12**
